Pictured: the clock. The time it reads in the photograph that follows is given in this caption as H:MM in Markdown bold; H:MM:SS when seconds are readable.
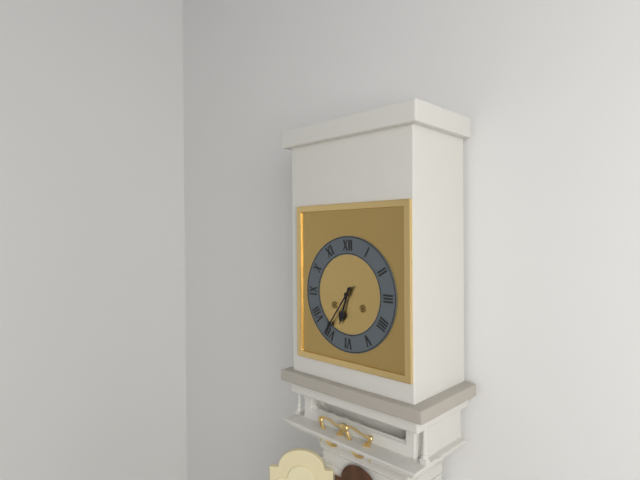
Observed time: **6:36**
